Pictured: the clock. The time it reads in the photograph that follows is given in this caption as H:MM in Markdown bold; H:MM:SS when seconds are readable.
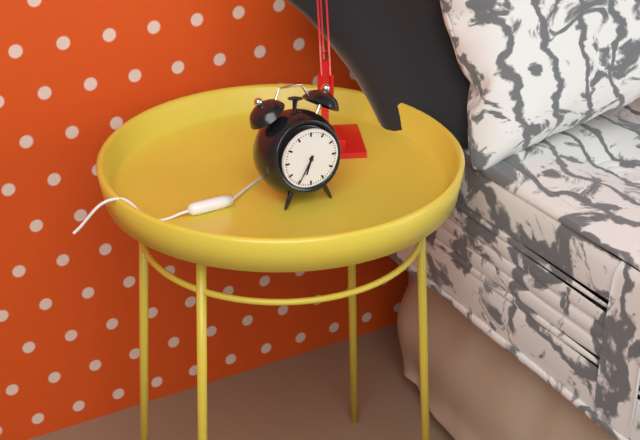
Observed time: **6:35**
